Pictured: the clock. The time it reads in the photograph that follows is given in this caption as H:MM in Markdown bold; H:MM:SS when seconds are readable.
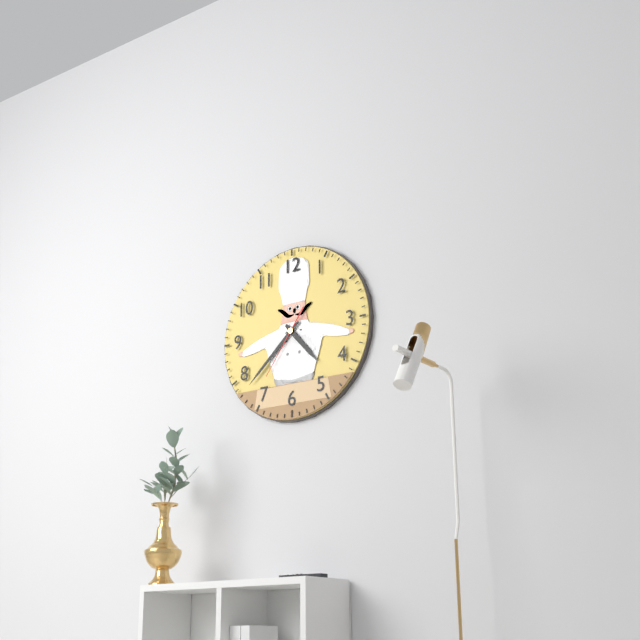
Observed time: **4:38:36**
